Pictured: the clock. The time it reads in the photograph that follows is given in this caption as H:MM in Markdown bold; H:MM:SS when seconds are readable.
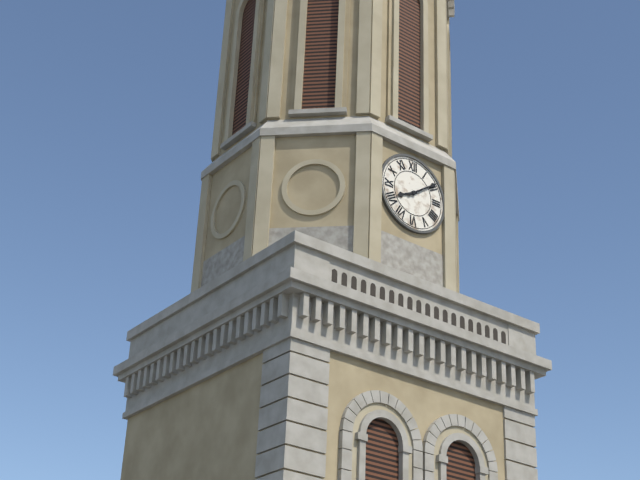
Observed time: **8:09**
